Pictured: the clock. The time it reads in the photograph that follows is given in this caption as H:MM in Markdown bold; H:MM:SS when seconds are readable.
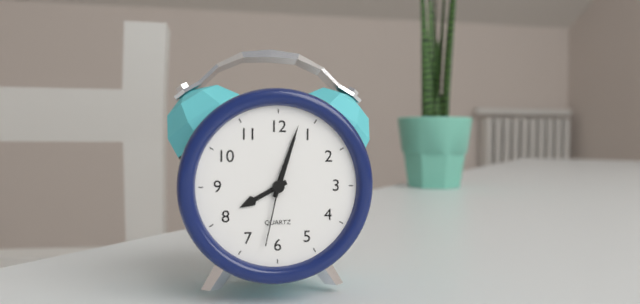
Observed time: **8:03:32**
